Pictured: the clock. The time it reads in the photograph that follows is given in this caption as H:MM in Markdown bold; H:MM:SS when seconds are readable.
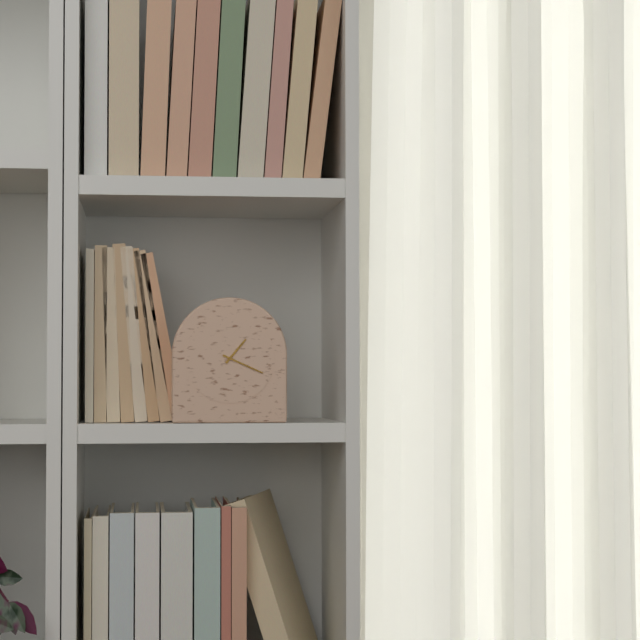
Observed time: **1:19**
